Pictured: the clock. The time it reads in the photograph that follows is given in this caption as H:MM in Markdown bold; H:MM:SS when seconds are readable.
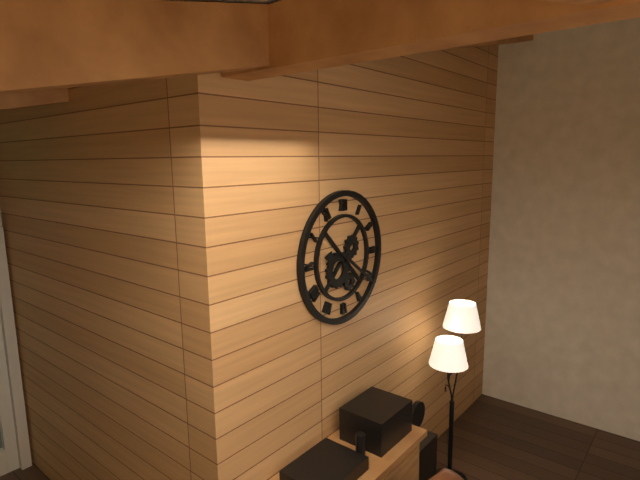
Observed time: **9:21**
